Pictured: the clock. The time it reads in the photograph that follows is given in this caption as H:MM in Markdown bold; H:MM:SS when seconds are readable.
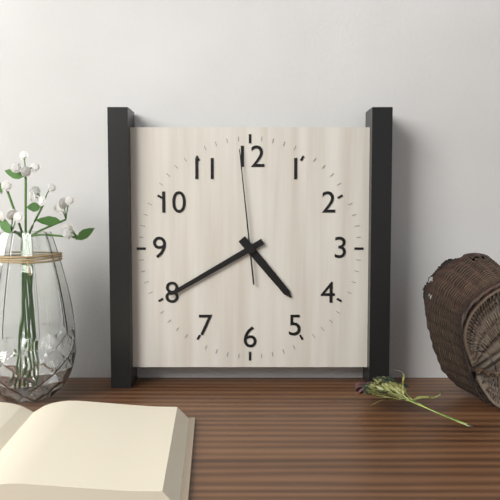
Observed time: **4:40:59**
